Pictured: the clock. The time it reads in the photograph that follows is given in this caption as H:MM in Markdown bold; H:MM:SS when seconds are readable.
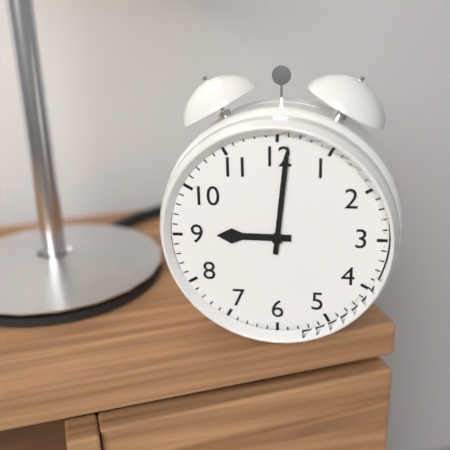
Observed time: **9:01**
